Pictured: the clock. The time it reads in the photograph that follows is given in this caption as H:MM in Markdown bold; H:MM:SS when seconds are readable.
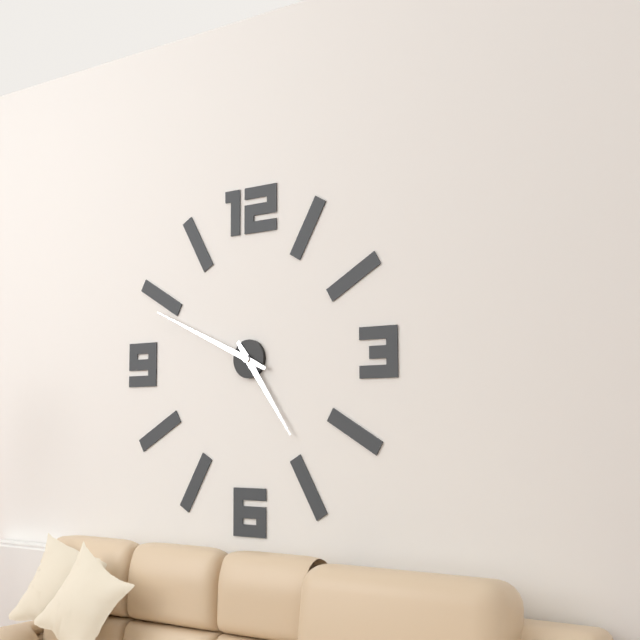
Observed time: **4:49**
